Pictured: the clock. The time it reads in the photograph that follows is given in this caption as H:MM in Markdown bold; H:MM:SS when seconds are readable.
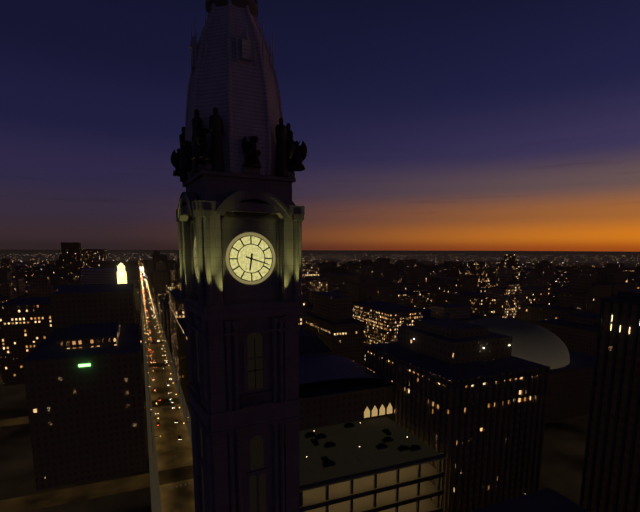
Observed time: **6:18**
